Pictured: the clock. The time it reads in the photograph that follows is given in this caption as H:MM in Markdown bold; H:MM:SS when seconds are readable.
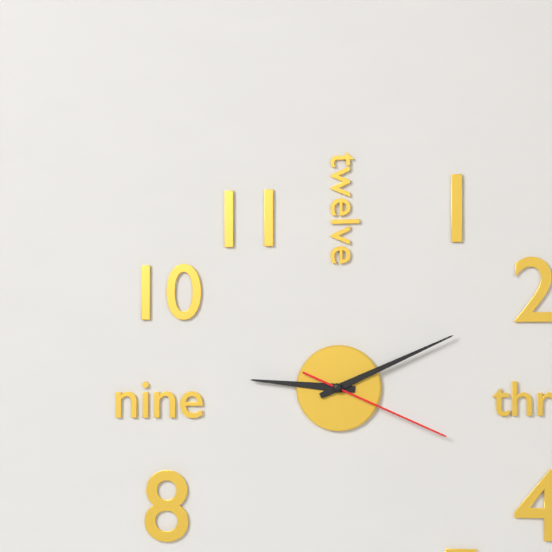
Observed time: **9:11:19**
